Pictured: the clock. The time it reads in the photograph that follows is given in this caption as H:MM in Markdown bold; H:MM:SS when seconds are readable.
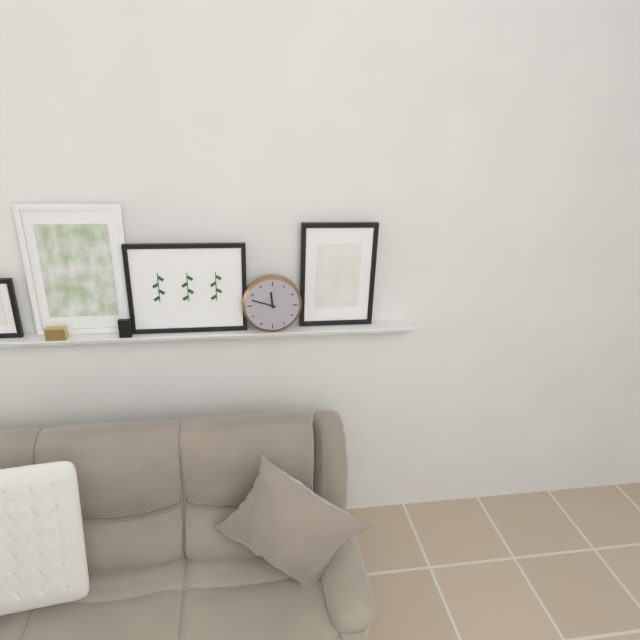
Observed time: **11:48**
